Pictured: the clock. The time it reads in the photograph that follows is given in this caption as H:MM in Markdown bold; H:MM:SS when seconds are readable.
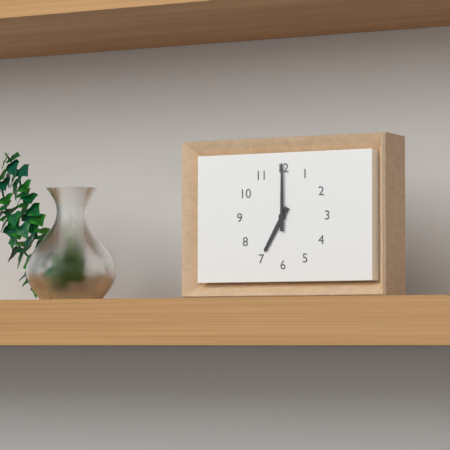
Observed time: **7:00**
